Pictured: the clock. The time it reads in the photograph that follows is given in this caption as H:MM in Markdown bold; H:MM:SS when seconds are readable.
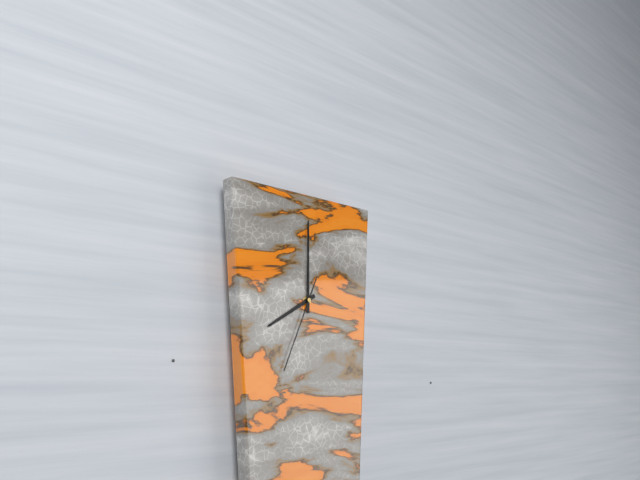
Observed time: **8:00:34**
